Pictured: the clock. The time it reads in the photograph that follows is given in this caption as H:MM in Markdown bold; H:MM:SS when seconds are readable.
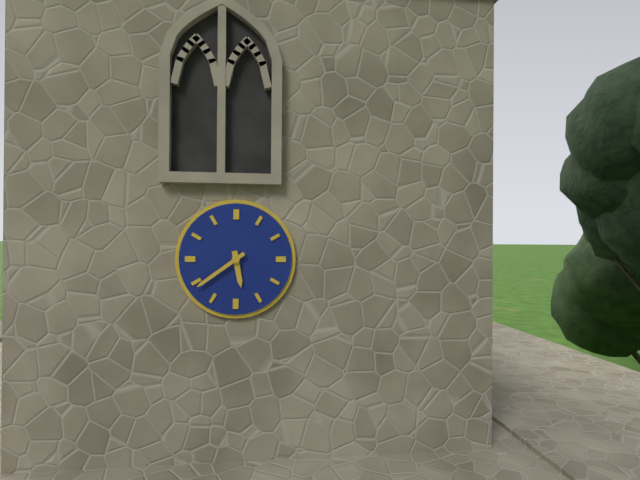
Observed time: **5:39**
